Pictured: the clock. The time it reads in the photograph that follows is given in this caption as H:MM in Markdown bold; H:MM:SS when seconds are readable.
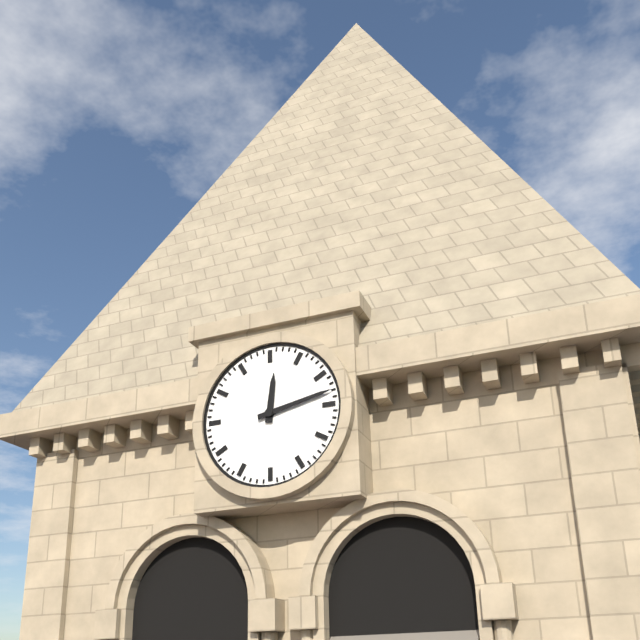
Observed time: **12:13**
